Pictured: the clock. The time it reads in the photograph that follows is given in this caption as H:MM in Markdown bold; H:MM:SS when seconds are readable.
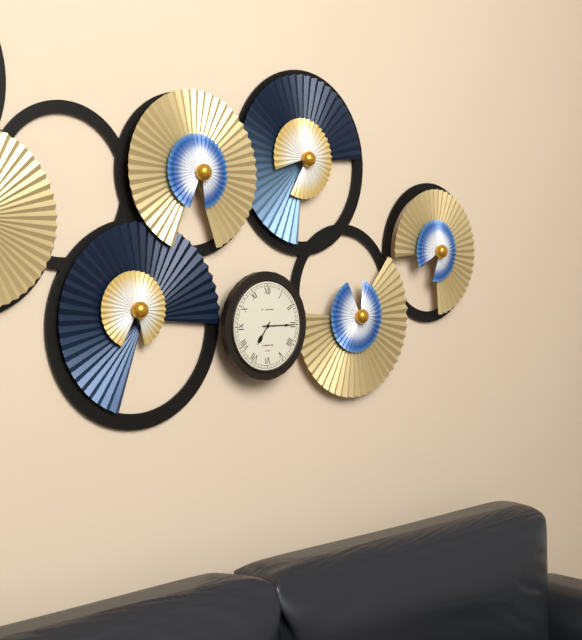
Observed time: **7:15**
